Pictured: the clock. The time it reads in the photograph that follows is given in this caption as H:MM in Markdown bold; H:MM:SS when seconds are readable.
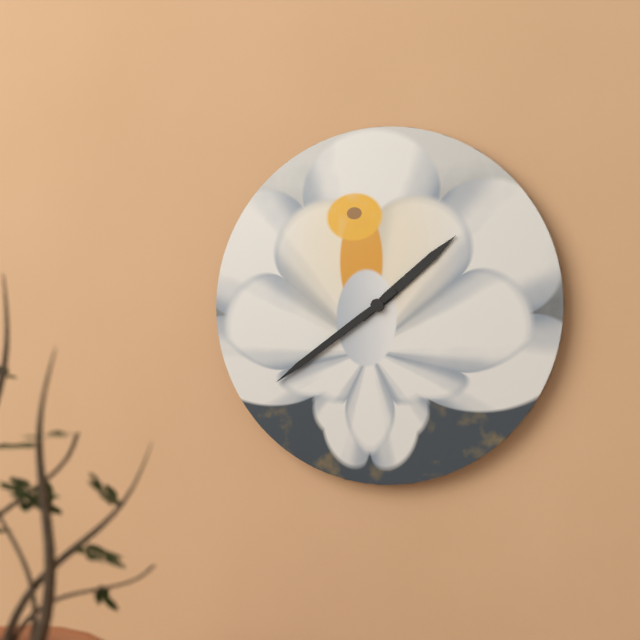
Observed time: **1:39**
